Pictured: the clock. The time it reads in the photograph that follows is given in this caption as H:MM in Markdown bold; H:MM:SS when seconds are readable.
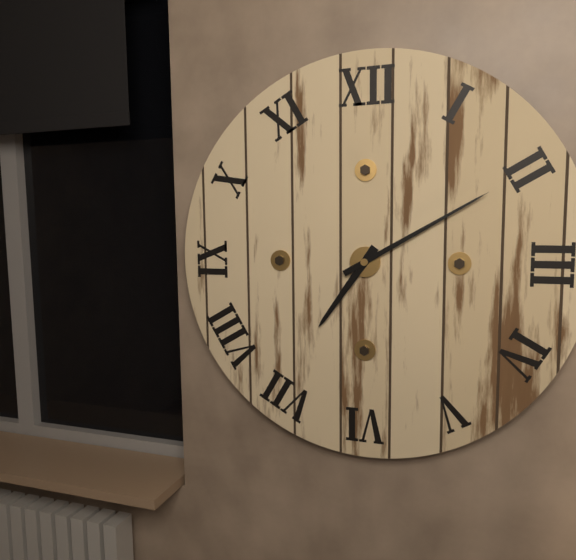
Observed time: **7:10**
